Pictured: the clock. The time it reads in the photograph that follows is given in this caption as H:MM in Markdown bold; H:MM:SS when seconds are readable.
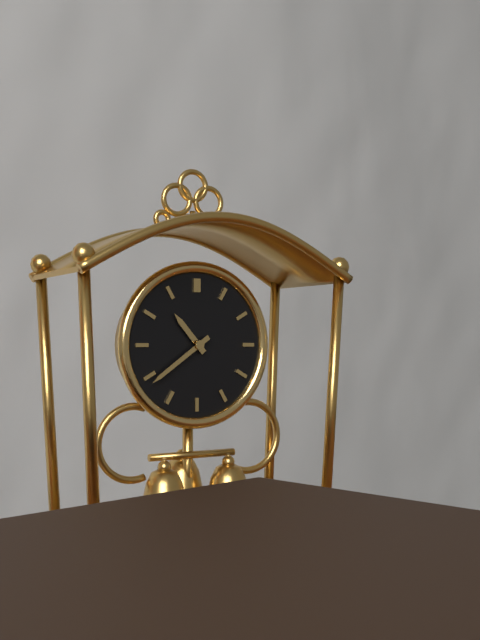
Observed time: **10:39**
